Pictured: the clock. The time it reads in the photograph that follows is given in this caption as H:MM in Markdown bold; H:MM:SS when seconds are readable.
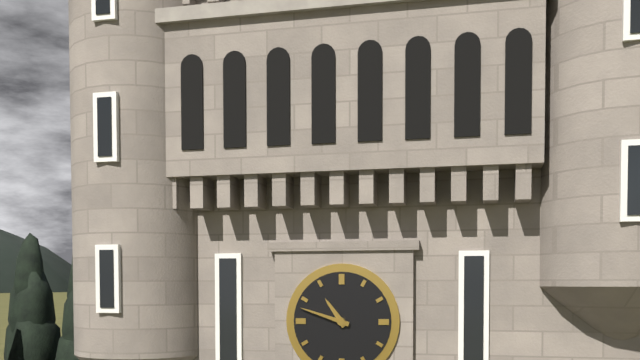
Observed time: **10:48**
